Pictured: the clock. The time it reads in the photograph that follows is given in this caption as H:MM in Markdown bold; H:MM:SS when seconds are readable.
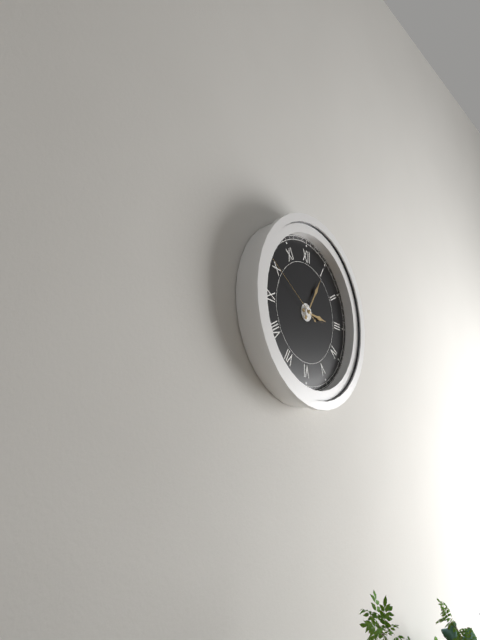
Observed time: **3:05:50**
